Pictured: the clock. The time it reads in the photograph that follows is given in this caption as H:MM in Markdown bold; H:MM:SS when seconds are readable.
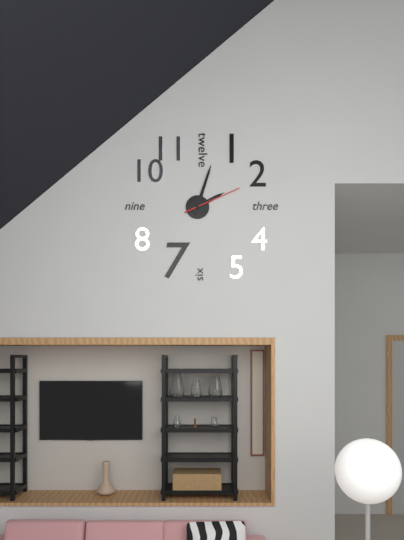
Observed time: **2:03:11**
